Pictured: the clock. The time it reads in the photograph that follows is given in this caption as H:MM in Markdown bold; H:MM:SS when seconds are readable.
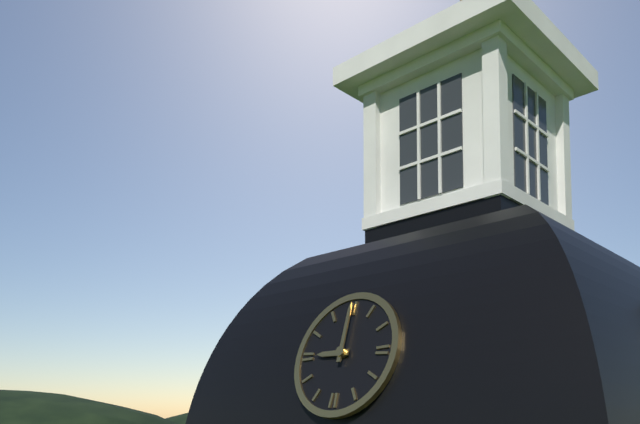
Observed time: **9:00**
